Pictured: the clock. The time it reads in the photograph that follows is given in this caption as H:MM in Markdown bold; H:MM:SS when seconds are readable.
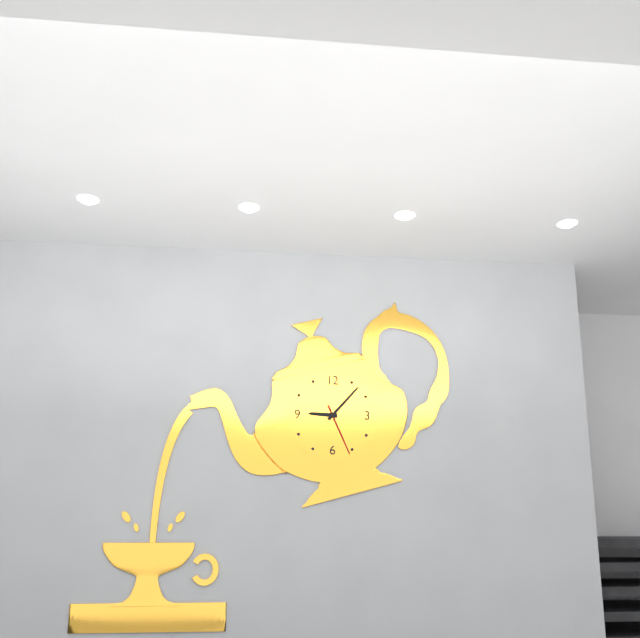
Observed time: **9:07:26**
